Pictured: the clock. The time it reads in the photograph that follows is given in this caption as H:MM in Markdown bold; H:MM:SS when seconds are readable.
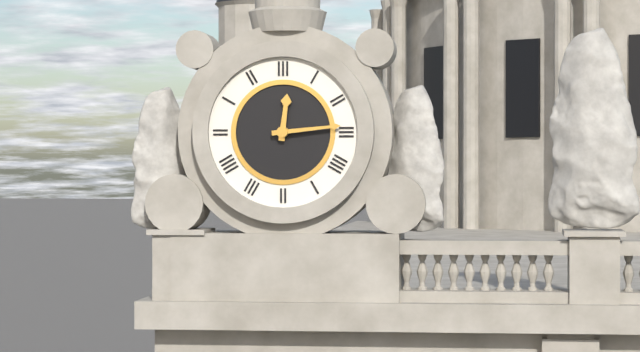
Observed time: **12:14**
